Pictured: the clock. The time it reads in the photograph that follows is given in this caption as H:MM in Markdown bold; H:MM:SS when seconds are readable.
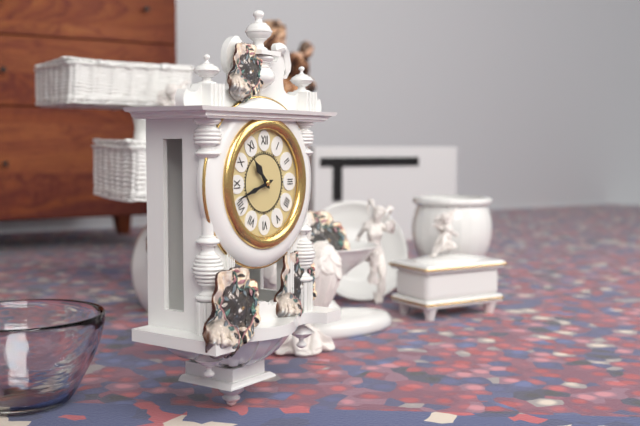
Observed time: **10:42**
